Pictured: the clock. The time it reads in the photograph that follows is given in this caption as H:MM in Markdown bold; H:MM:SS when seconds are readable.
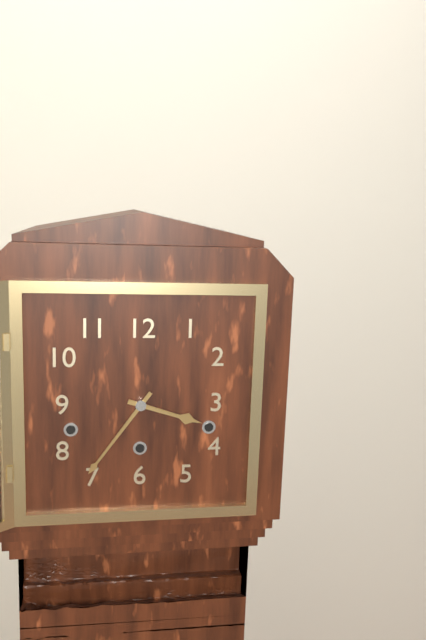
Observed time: **3:36**
